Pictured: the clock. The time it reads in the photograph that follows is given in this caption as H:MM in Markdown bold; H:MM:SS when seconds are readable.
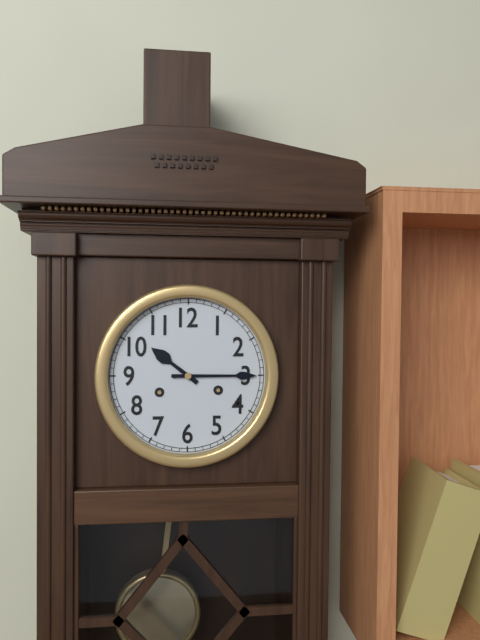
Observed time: **10:15**
